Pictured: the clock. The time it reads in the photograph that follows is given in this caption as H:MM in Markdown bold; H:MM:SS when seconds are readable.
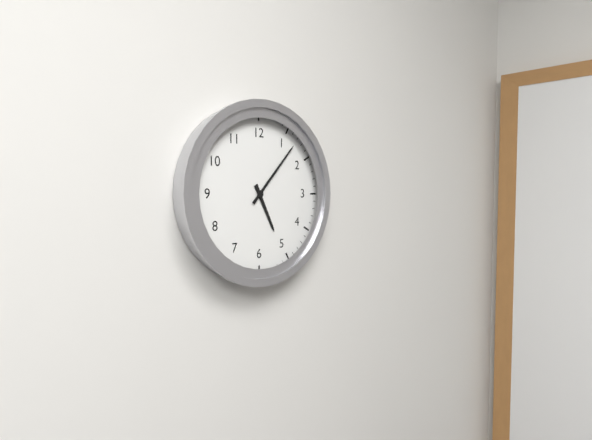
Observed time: **5:07**
